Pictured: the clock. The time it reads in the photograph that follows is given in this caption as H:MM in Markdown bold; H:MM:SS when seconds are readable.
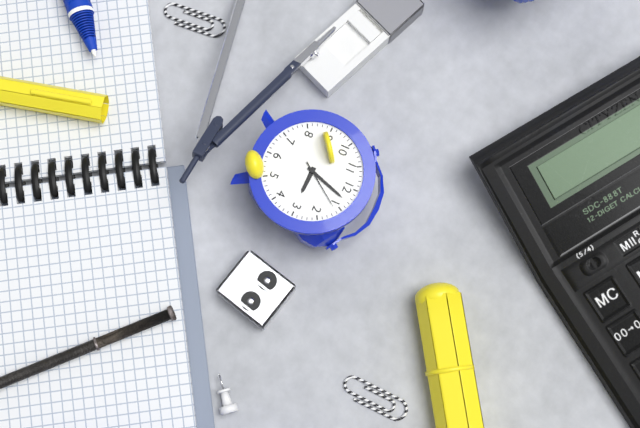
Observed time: **3:03:06**
